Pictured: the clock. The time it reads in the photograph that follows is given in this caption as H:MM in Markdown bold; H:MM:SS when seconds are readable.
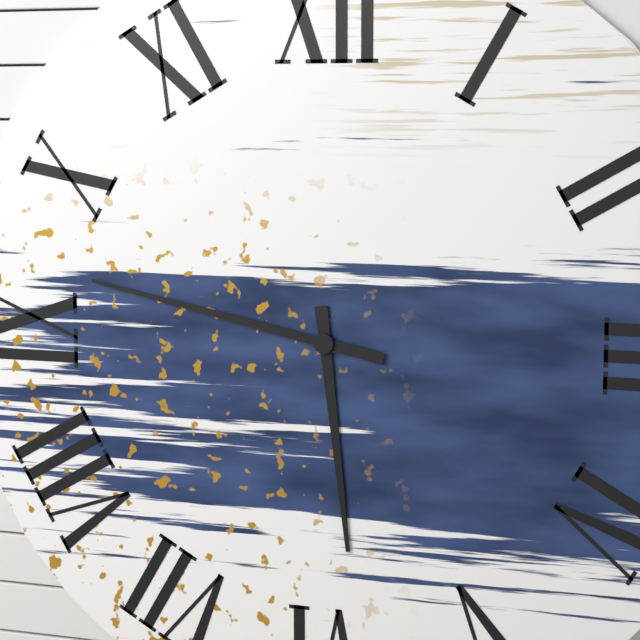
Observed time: **5:47**
